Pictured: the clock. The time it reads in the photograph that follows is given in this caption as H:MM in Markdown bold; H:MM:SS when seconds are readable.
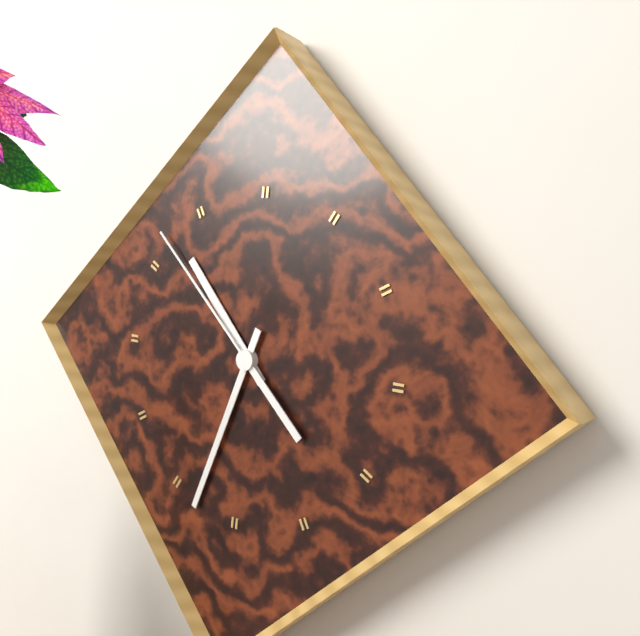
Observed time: **10:33:52**
